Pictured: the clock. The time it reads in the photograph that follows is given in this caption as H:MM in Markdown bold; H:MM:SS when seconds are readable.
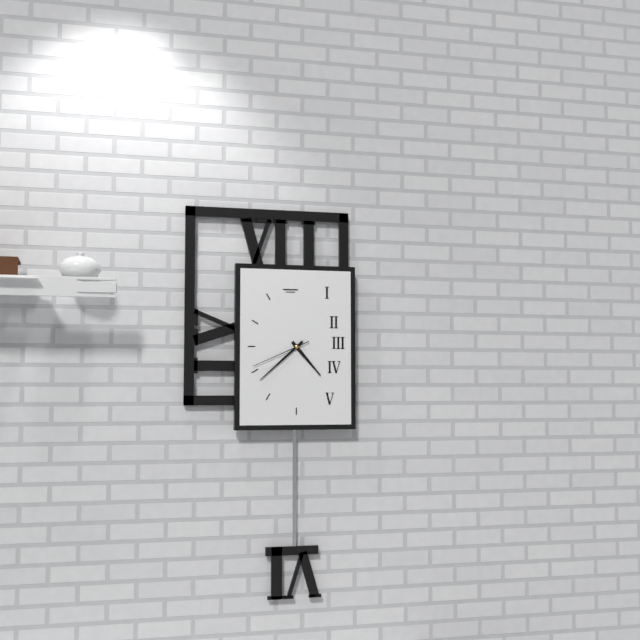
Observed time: **4:38:41**
